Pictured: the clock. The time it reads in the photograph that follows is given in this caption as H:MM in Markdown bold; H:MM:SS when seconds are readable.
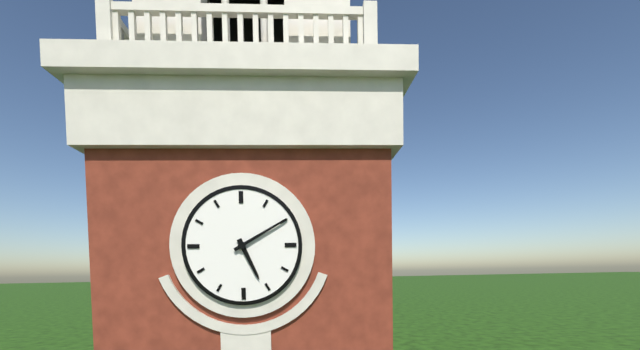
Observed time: **5:10**
